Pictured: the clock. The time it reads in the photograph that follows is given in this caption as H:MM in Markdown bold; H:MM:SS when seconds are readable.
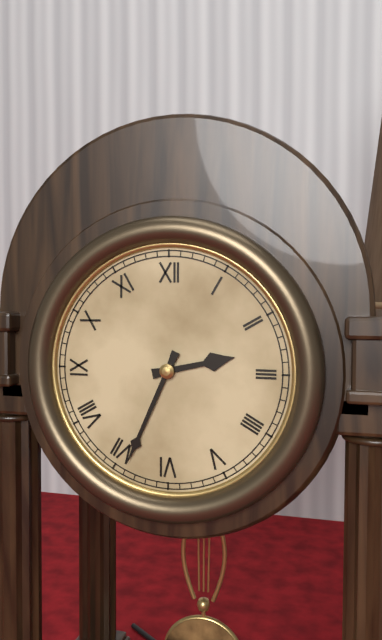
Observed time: **2:34**
